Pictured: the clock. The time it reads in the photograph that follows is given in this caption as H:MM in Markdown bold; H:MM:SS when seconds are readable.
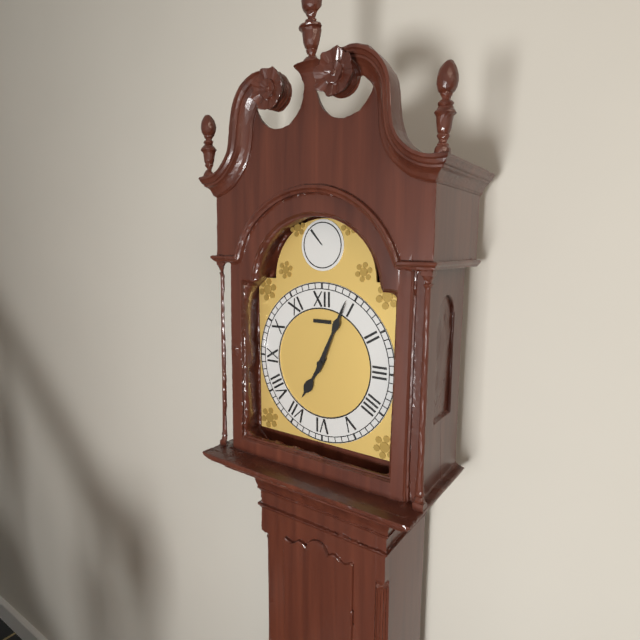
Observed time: **7:04**
